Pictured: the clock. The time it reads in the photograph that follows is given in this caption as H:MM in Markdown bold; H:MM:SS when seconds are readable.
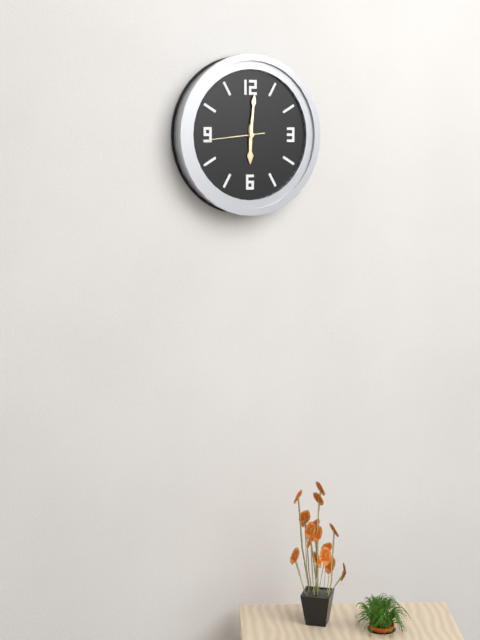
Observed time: **6:01:44**
